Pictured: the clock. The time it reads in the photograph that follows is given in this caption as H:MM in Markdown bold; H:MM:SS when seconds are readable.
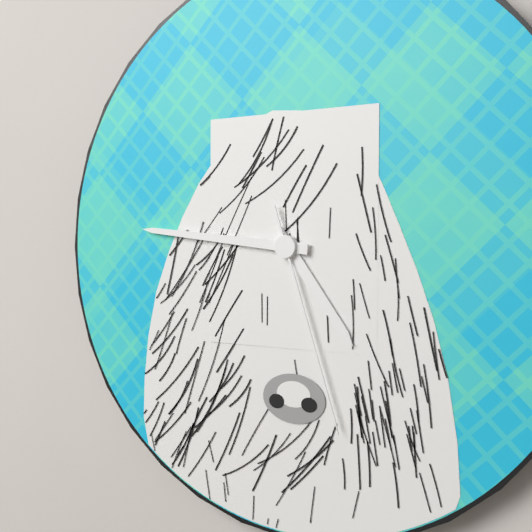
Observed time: **4:46:27**
